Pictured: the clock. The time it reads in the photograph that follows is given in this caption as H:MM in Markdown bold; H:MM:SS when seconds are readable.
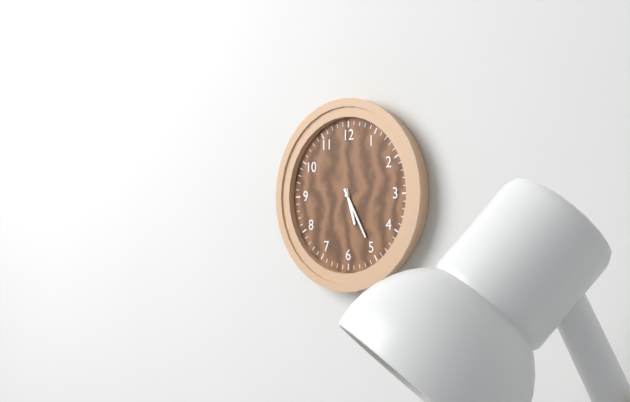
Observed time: **5:25**
